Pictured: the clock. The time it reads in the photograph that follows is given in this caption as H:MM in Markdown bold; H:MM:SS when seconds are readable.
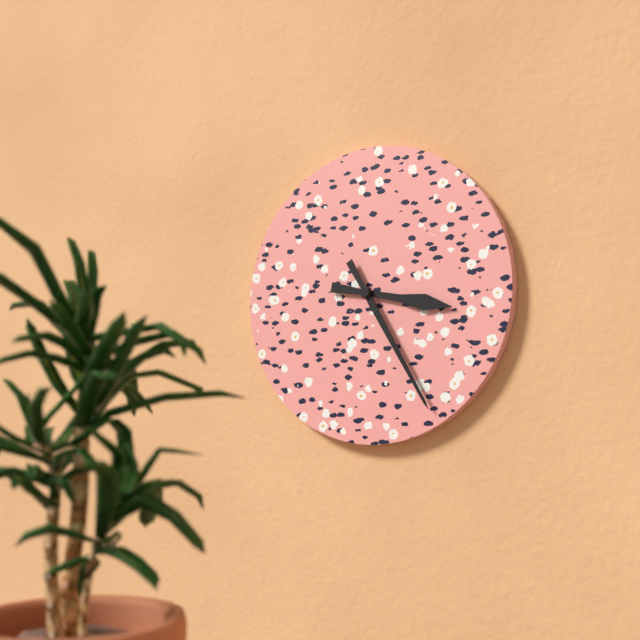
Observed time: **3:25**
